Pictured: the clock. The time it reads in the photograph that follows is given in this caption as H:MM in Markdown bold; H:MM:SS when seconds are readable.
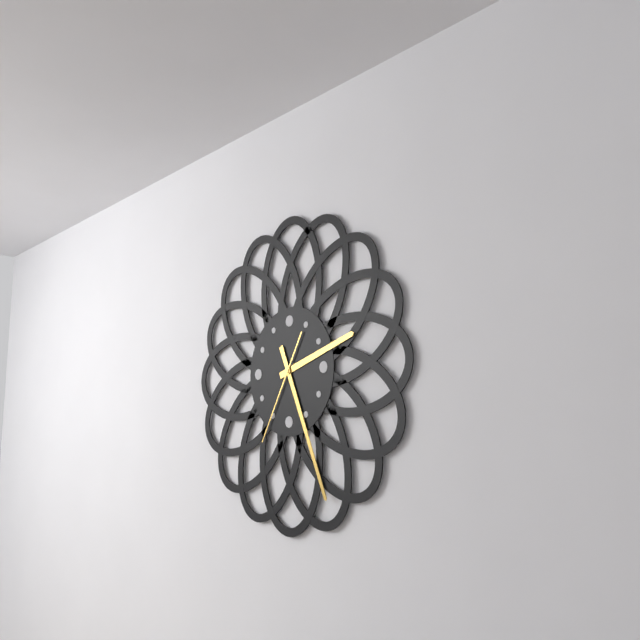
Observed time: **2:26:35**
